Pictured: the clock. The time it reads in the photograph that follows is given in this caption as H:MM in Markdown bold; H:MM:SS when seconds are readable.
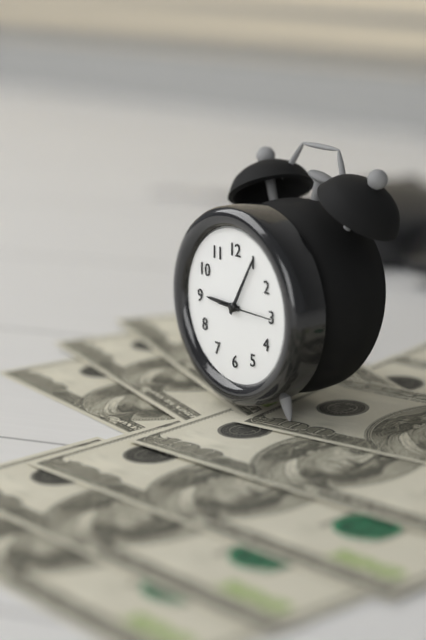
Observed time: **9:05**
